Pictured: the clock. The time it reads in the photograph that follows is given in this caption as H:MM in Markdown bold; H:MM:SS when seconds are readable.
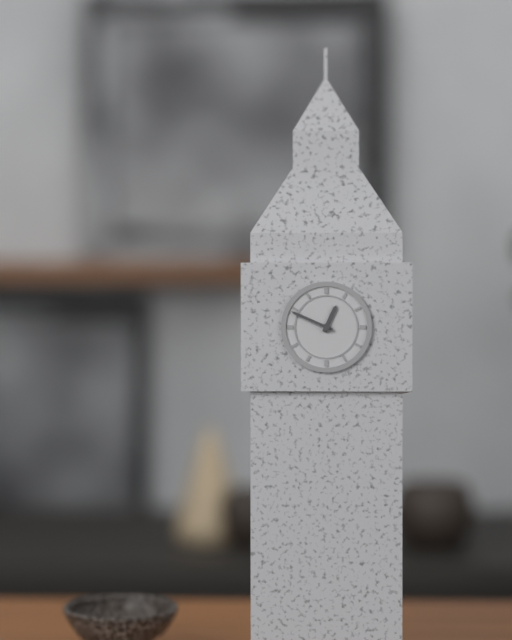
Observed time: **12:49**
